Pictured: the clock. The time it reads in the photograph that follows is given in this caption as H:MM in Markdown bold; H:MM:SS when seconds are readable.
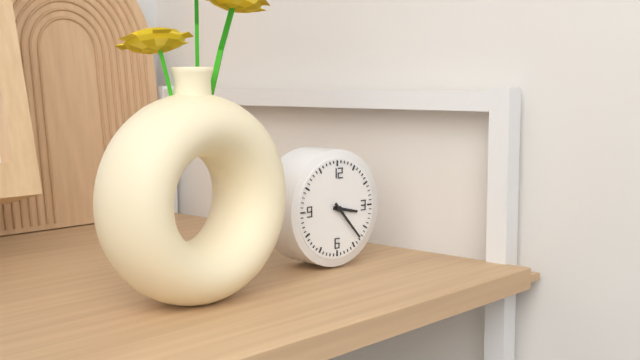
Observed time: **3:23**
